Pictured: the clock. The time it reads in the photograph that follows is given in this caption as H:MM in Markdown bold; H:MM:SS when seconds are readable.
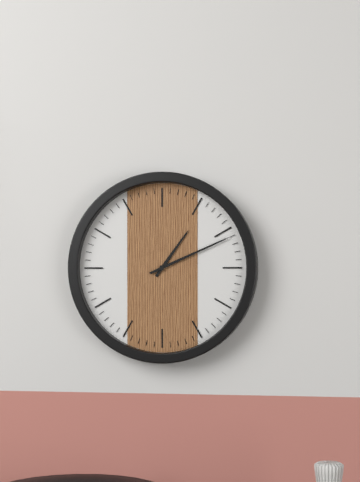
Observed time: **1:11**
